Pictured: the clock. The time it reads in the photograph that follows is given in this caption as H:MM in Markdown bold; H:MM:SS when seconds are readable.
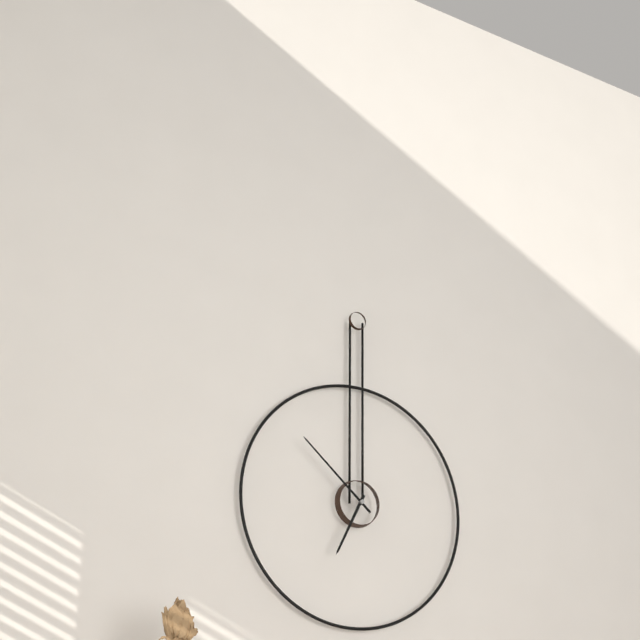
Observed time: **6:52**
